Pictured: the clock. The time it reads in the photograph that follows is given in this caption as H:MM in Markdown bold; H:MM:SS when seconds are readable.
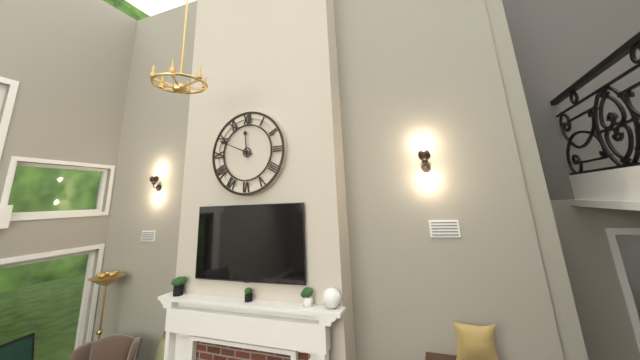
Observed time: **11:49**
